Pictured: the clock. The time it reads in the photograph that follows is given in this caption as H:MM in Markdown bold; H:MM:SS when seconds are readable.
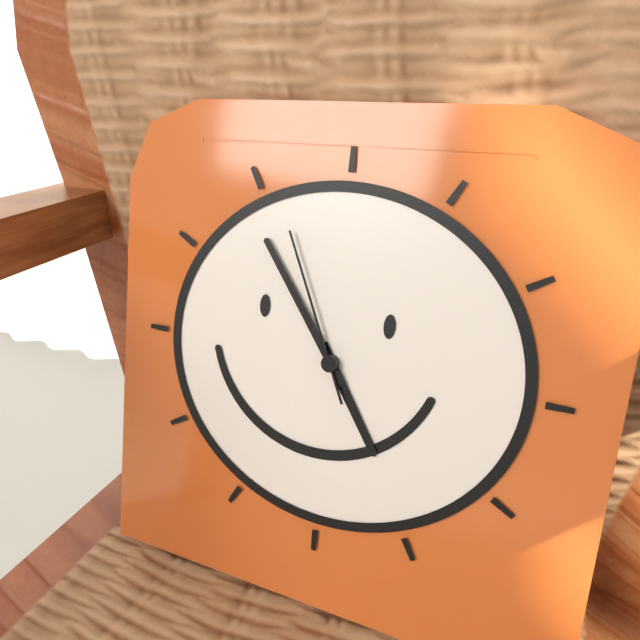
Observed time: **4:54:56**
